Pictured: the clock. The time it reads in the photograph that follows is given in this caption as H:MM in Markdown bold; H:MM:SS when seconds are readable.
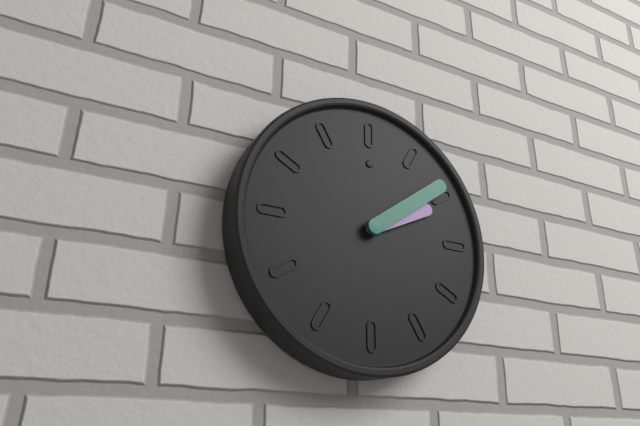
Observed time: **2:09**
